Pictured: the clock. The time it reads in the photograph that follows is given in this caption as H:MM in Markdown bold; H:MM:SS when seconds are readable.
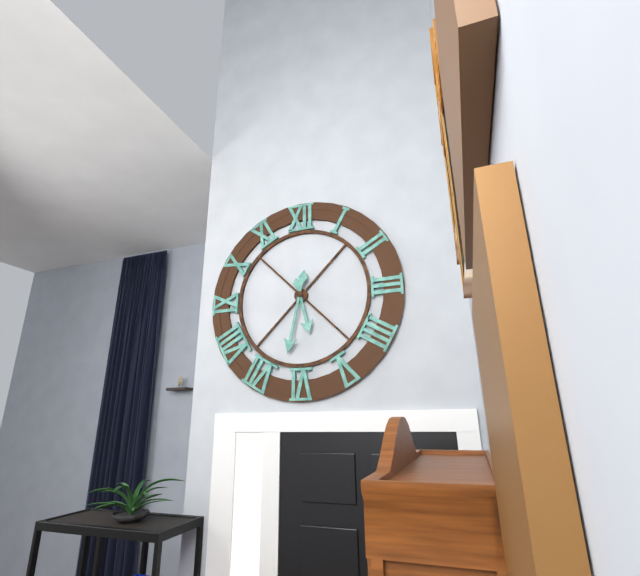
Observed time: **5:32**
